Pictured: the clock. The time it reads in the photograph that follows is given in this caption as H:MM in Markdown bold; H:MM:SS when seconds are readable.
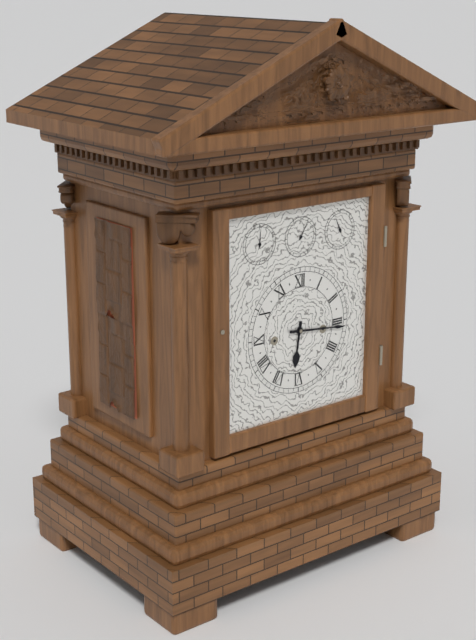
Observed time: **6:16**
